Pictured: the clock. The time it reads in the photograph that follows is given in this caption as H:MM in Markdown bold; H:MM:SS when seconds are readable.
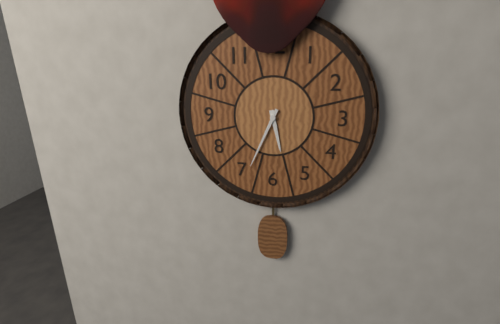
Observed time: **5:34**
